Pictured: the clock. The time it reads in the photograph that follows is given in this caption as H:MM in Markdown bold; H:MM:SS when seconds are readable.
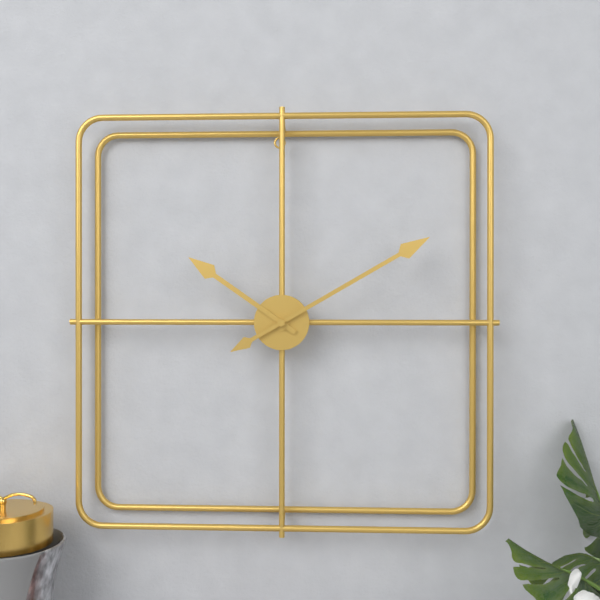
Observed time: **10:10**
